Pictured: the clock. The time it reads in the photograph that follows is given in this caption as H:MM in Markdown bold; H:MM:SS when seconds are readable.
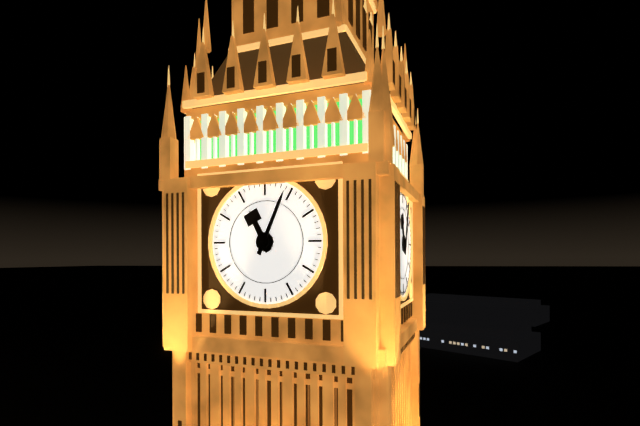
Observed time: **11:04**
